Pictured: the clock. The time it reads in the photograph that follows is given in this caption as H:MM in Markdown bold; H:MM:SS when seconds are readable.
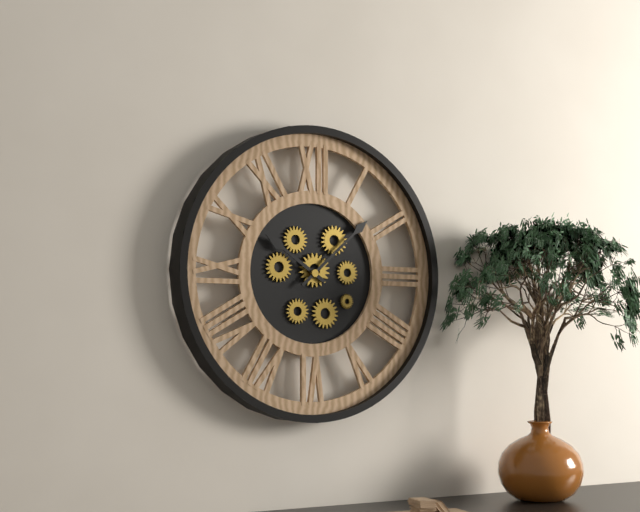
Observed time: **10:08**
